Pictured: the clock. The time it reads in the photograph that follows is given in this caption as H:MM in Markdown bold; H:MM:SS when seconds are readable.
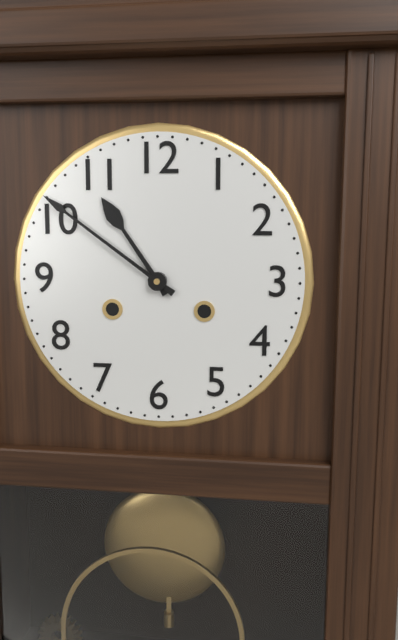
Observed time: **10:51**
